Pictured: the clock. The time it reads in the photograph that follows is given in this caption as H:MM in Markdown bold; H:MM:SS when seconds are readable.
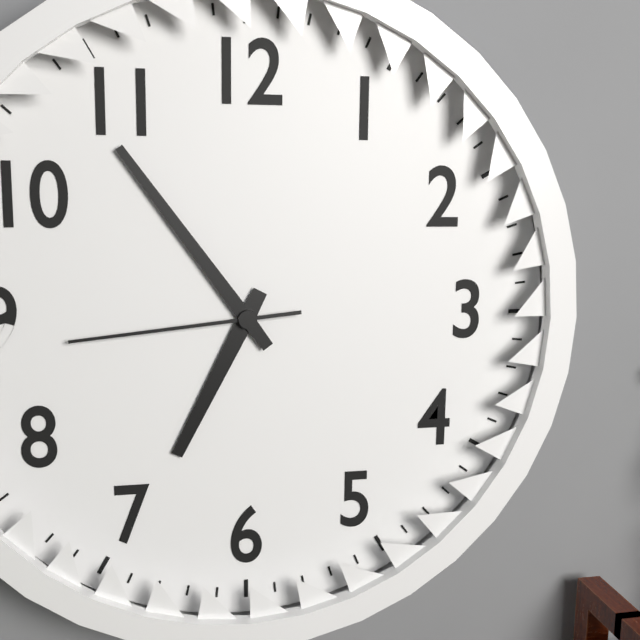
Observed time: **6:54:44**
